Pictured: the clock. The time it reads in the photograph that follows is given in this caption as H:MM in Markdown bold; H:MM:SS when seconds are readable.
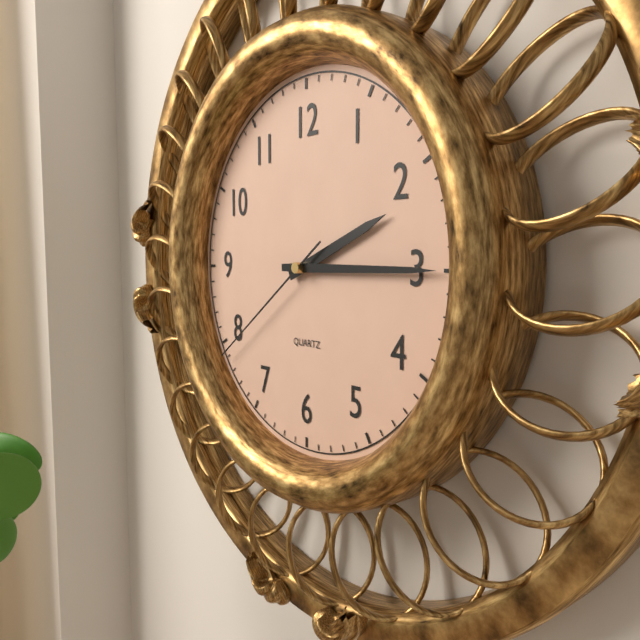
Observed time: **2:15:39**
